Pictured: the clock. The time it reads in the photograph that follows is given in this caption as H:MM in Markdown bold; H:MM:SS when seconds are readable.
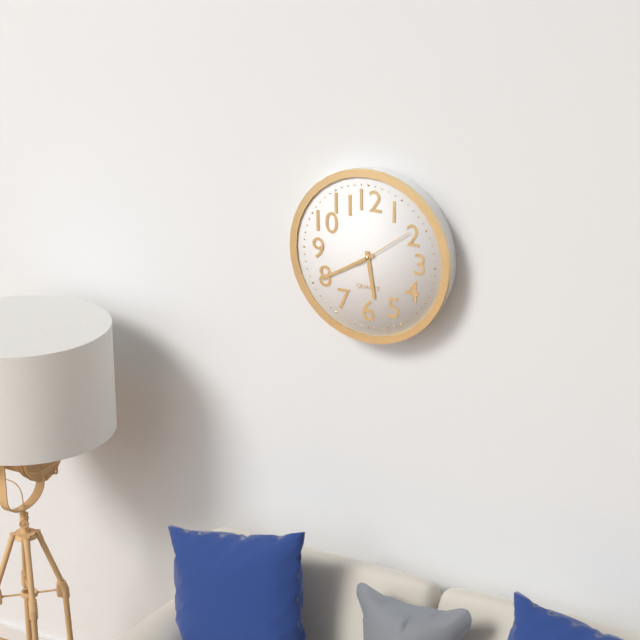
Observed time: **5:40:09**
